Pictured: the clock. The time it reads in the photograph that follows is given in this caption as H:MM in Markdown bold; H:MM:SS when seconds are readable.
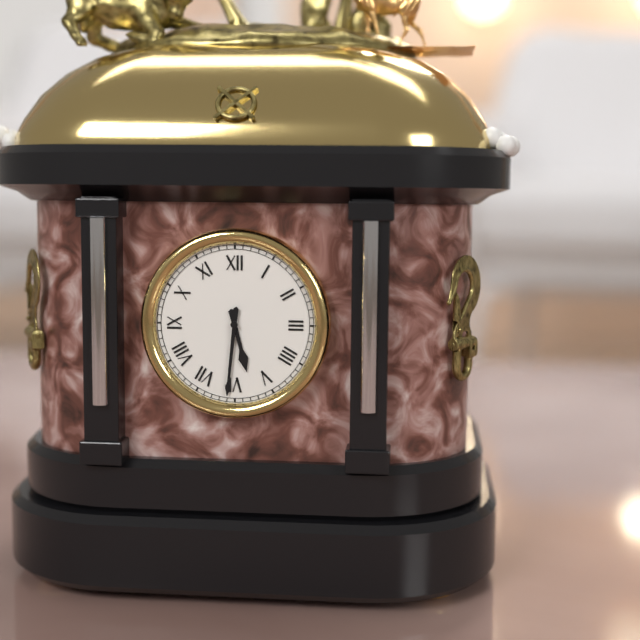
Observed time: **5:31**
